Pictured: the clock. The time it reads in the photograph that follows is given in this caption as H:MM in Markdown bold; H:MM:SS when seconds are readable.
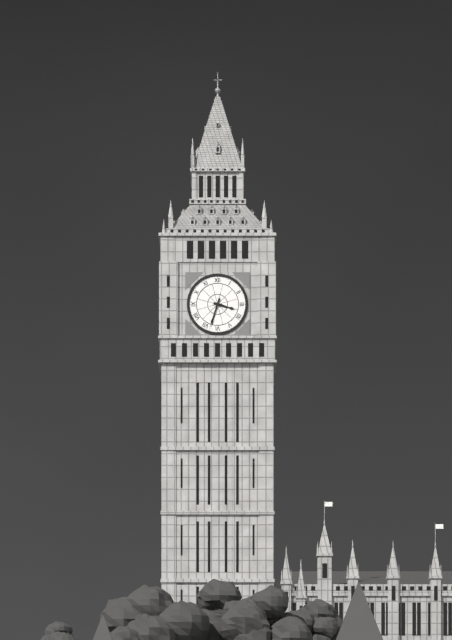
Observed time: **3:33**
